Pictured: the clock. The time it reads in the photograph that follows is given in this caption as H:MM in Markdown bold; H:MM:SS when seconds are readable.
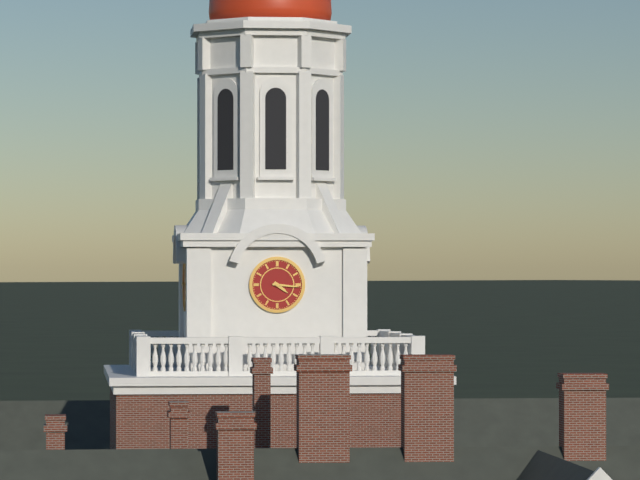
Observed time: **4:16**
